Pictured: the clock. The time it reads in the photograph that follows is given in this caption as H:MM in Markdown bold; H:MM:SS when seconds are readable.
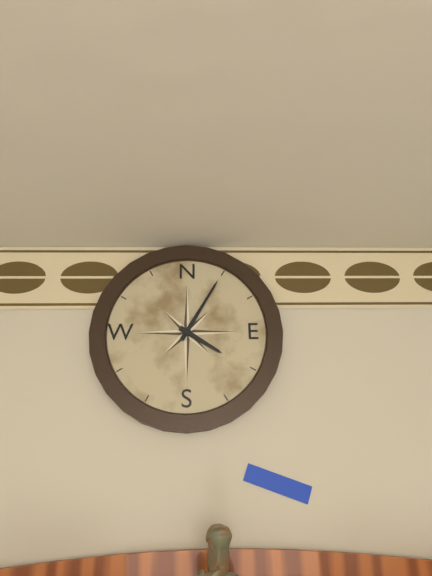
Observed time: **4:05**
